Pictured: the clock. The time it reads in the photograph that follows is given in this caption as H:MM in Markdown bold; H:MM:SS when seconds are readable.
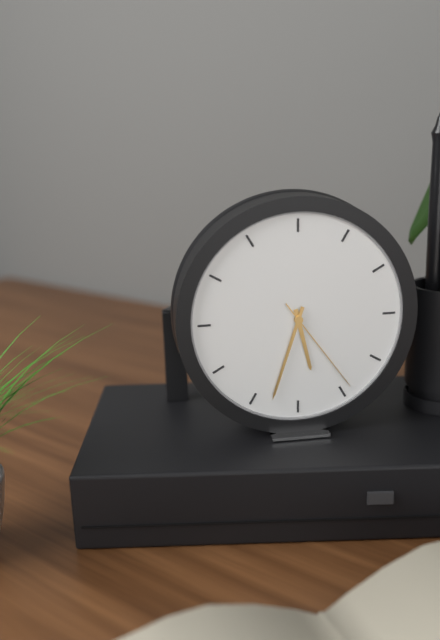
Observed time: **5:33:24**
